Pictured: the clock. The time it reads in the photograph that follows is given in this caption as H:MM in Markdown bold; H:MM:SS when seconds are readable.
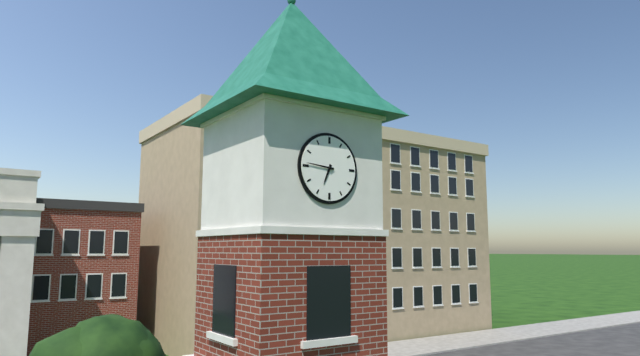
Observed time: **6:46**
